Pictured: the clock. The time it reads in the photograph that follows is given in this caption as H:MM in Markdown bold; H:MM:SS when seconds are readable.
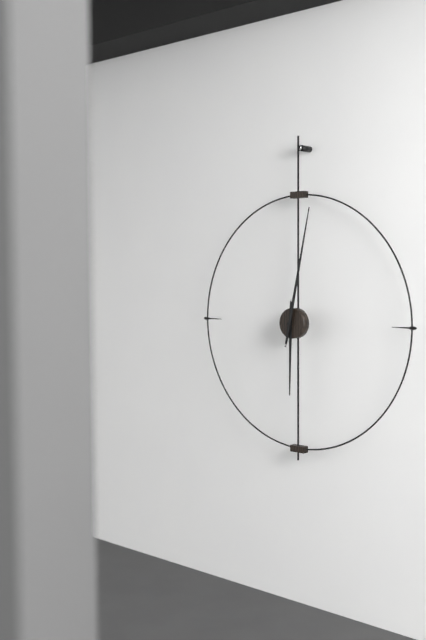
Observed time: **6:02**
